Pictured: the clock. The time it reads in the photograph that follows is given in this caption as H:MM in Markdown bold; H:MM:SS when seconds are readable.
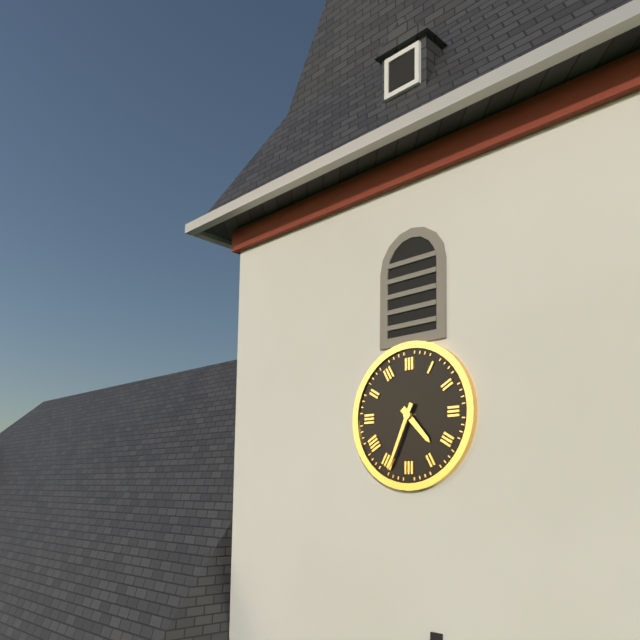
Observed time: **4:34**
